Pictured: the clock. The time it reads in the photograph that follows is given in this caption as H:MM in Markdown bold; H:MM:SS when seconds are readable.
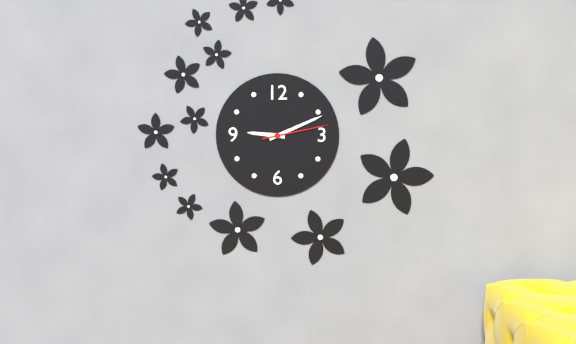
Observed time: **9:11:13**
